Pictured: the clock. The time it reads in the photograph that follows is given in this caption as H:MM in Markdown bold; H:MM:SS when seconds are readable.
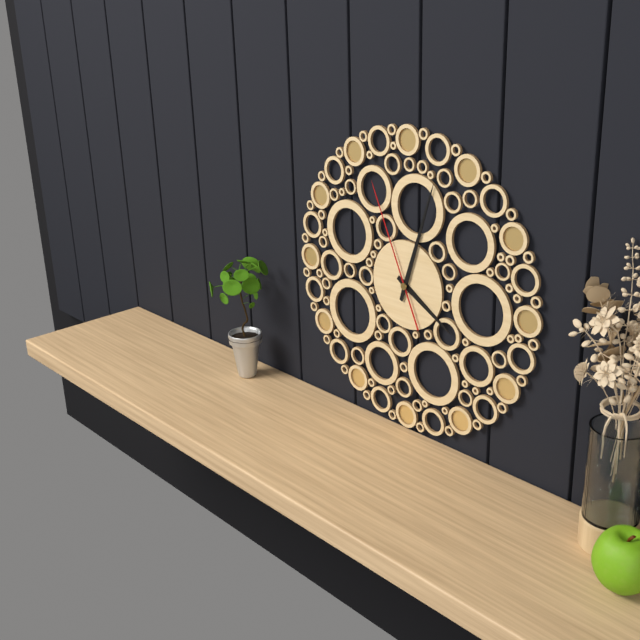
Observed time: **4:03:56**
